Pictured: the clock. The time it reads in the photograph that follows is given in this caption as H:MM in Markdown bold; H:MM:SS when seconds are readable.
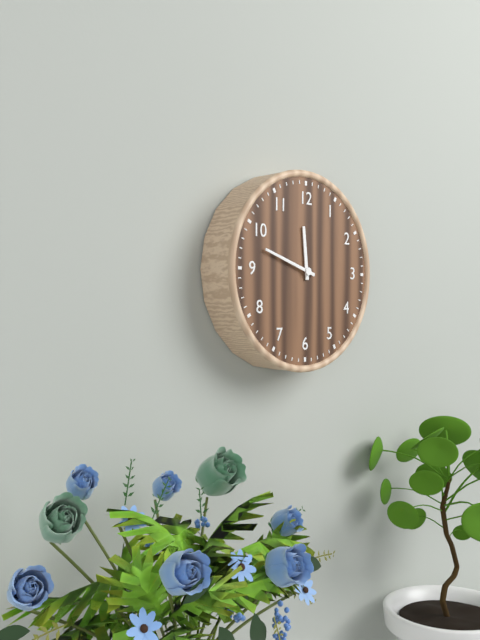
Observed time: **11:48**
